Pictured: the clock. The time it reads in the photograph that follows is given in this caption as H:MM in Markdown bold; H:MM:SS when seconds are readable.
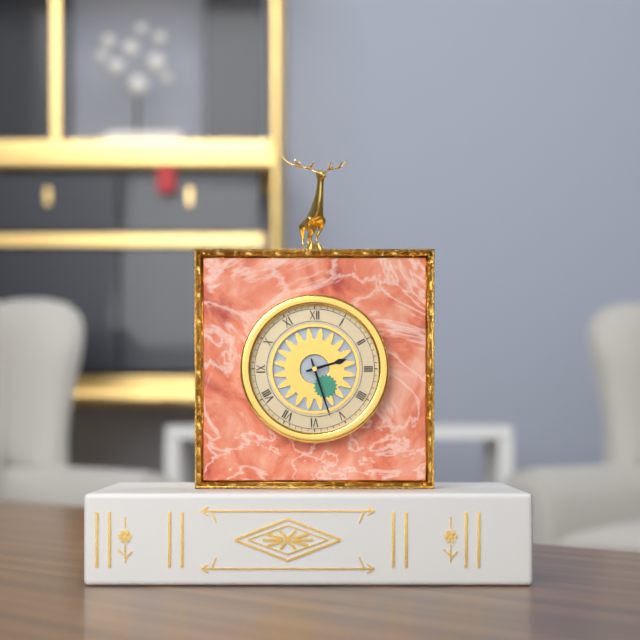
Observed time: **2:27**
